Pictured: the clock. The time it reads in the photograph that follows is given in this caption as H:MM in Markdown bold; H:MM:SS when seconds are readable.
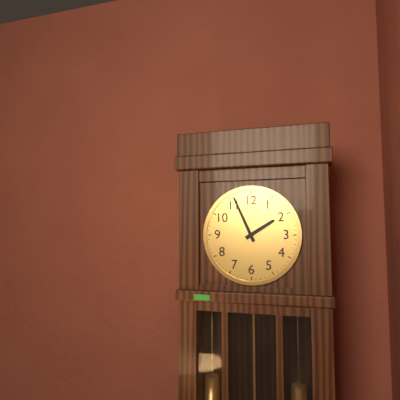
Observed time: **1:56**
